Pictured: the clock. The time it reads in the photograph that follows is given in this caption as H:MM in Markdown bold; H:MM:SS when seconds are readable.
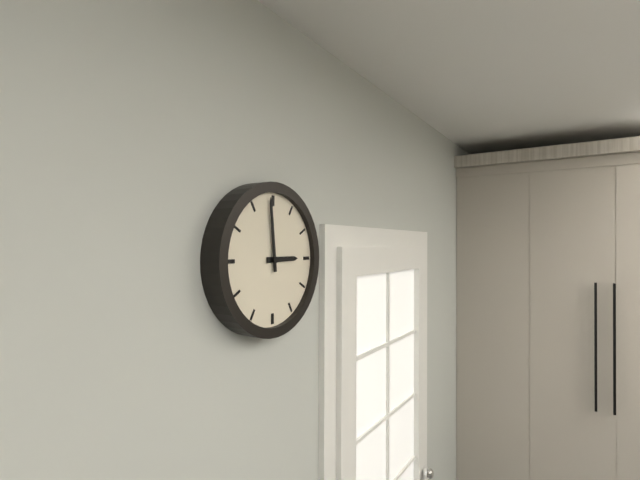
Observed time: **2:59**
